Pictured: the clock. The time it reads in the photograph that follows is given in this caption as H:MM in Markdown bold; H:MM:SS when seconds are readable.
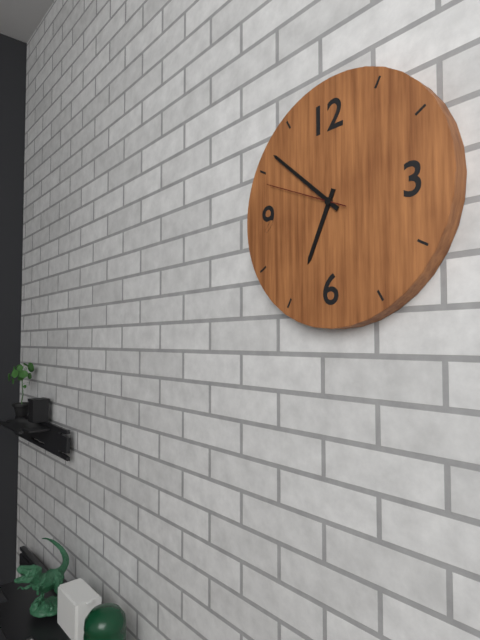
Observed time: **6:52:49**
